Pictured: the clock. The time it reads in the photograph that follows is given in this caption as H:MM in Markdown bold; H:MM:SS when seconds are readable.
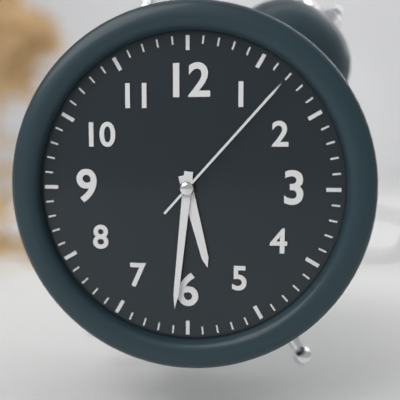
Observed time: **5:31:07**
